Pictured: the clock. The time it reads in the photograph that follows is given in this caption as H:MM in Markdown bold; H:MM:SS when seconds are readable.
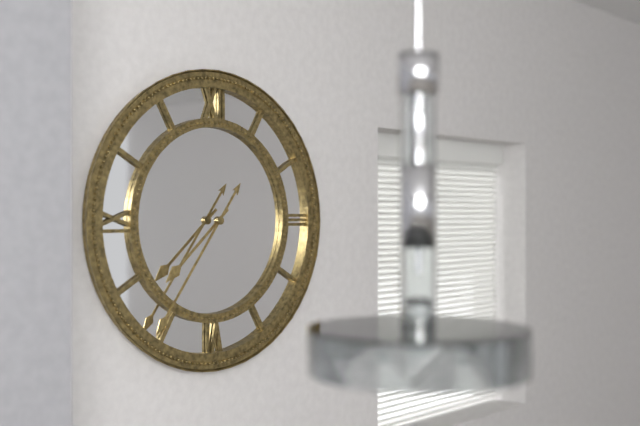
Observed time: **7:36**
